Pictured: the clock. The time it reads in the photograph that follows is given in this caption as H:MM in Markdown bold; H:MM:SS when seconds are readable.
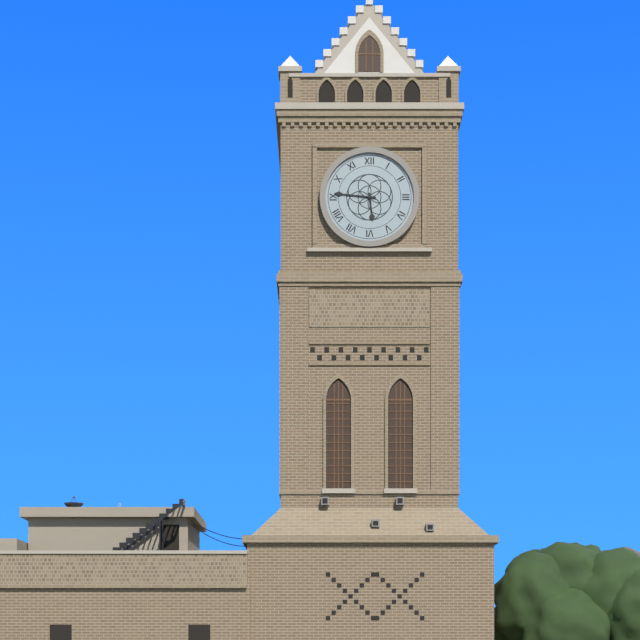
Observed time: **5:46**
